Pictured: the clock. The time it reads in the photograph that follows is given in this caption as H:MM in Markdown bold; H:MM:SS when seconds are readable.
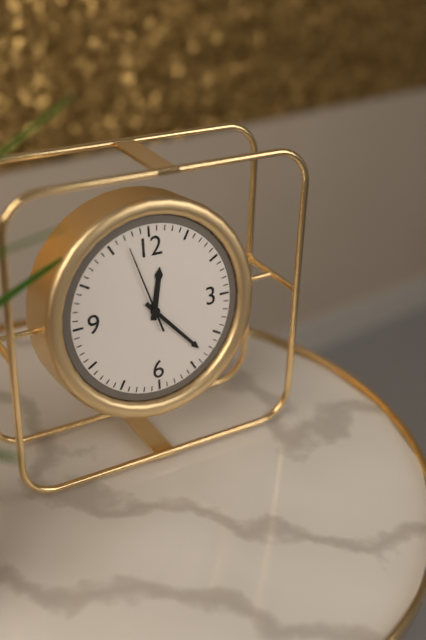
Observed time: **12:23:57**
